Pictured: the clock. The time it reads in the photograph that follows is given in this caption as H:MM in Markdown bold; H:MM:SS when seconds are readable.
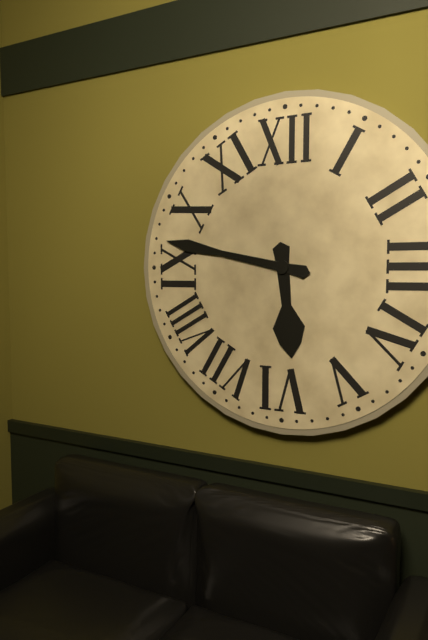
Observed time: **5:47**
